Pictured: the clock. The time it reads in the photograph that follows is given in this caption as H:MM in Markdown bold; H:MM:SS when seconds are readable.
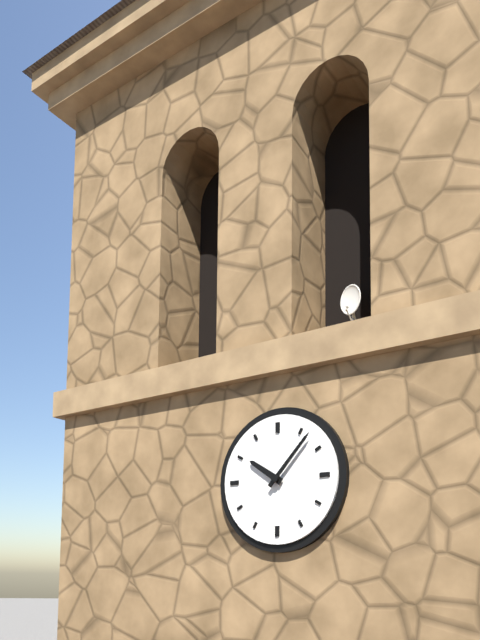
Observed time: **10:07**
